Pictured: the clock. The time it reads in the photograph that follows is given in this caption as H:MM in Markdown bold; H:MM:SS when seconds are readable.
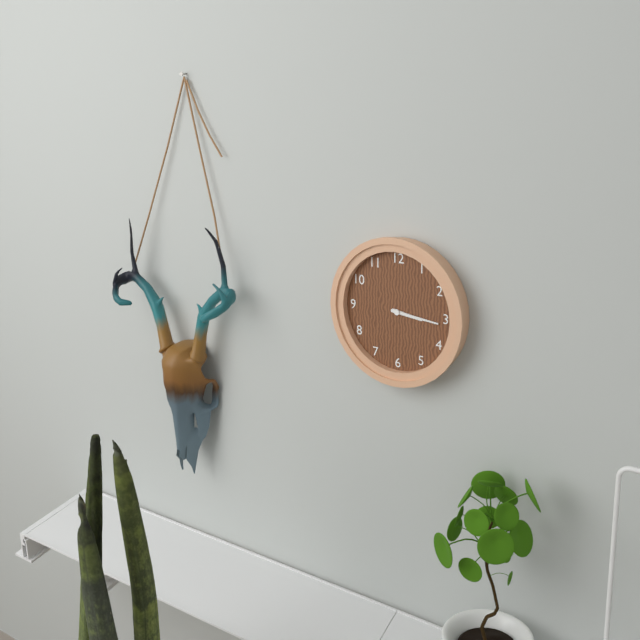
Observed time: **3:16**
